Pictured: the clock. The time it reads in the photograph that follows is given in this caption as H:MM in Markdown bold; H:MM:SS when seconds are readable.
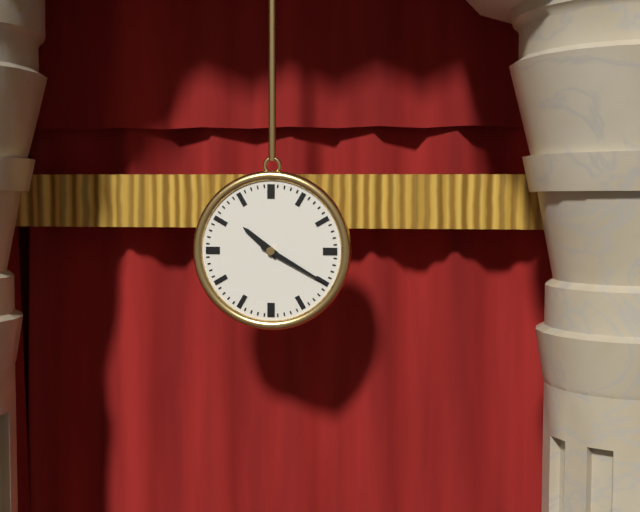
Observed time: **10:20**
